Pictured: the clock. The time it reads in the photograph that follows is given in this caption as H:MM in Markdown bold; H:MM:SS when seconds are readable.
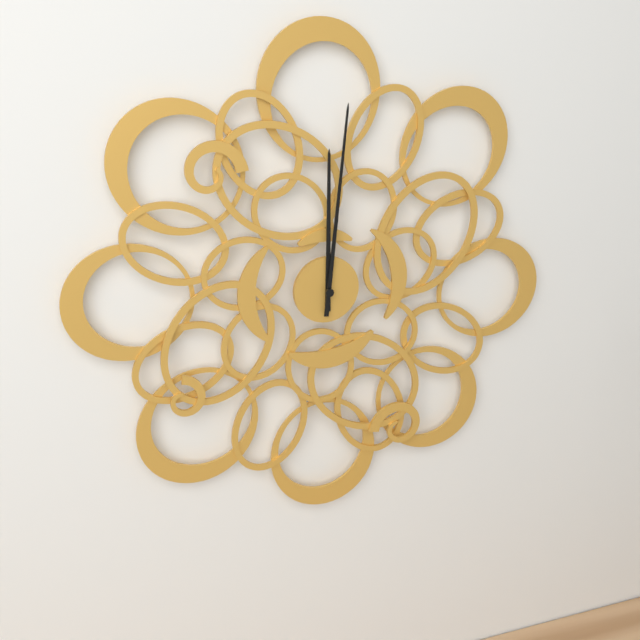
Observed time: **12:01**
